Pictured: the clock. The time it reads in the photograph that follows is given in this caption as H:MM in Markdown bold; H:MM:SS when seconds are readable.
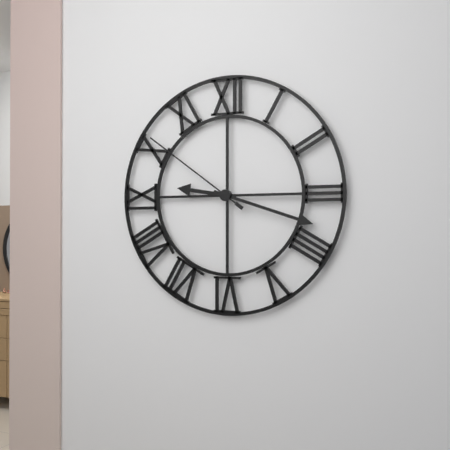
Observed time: **9:18:51**
